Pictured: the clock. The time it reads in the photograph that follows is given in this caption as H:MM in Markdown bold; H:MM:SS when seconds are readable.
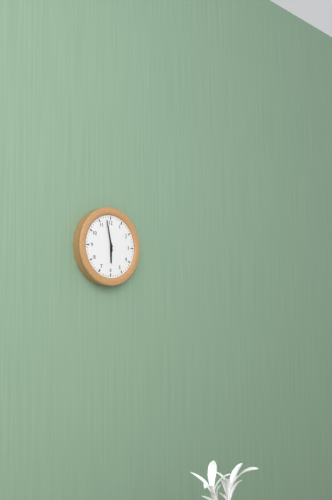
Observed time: **5:58**
